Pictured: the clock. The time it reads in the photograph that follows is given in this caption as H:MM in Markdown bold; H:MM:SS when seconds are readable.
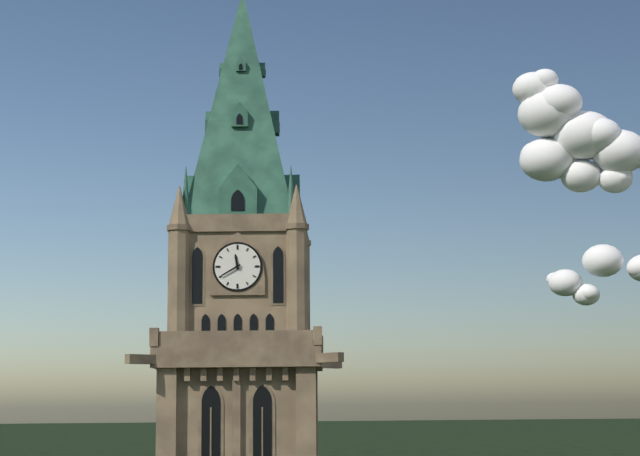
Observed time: **11:40**
